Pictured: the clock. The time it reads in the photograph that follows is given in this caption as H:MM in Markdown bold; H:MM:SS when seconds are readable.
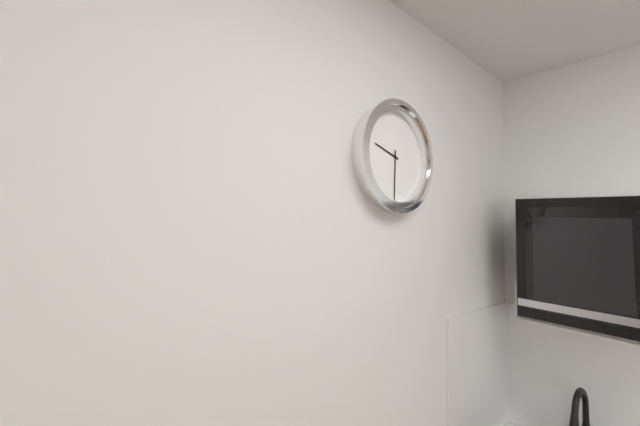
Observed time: **9:30**
